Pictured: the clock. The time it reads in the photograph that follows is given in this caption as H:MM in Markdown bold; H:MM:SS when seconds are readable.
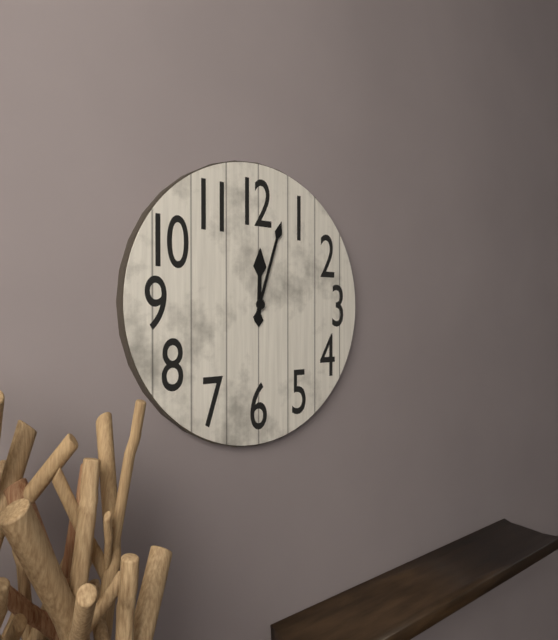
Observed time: **12:03**
